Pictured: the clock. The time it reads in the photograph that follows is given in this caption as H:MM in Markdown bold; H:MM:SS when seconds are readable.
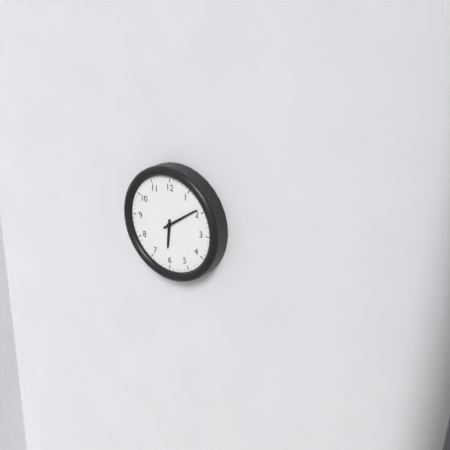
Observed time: **6:09**
